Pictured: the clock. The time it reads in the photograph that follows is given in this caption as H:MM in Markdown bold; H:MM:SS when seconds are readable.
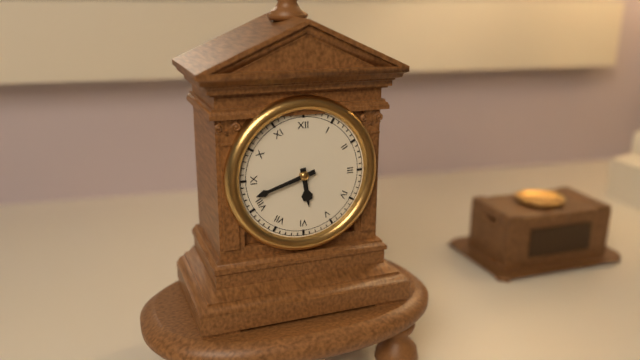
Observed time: **5:42**
